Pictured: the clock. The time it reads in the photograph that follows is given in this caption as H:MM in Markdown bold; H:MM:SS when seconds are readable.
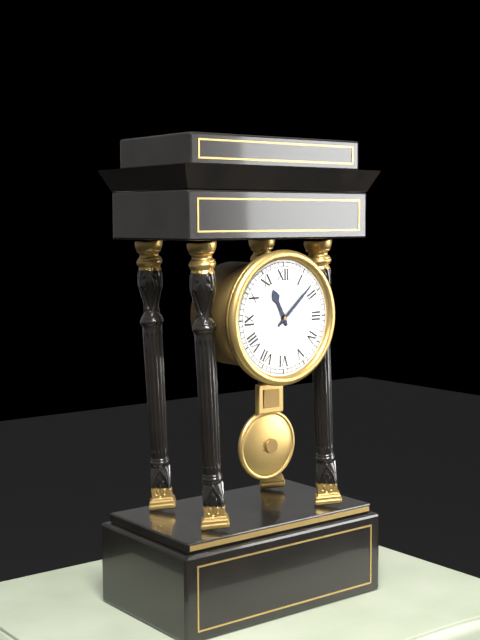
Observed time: **11:08**
